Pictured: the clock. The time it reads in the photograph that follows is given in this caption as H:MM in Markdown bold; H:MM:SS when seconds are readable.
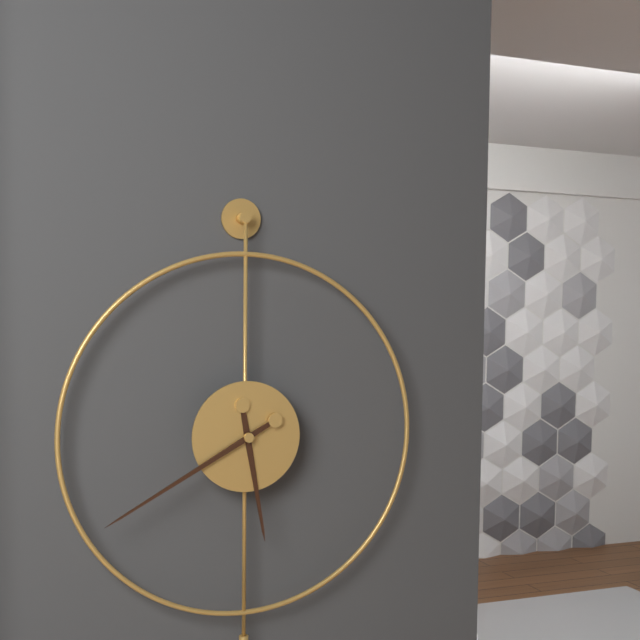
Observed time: **5:40**
